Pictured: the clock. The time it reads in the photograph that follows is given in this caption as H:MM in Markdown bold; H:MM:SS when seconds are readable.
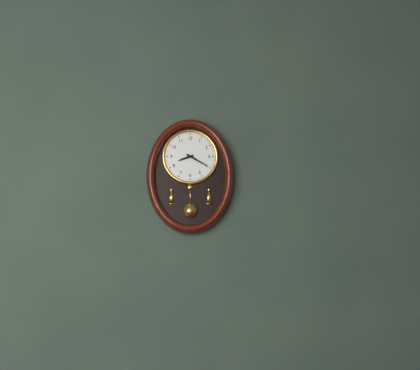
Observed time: **8:20**
